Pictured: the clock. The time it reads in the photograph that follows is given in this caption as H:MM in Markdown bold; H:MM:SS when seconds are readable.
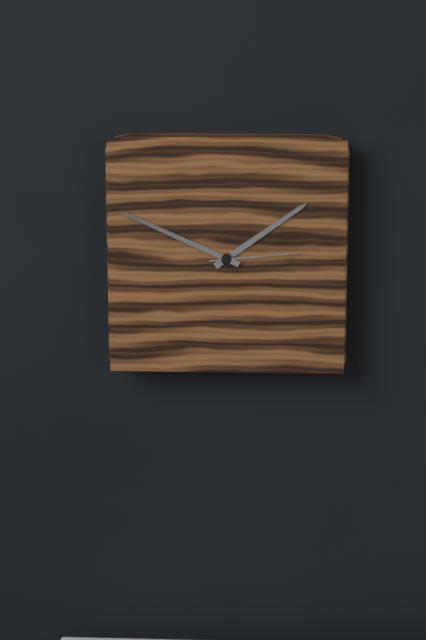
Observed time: **1:49:14**
